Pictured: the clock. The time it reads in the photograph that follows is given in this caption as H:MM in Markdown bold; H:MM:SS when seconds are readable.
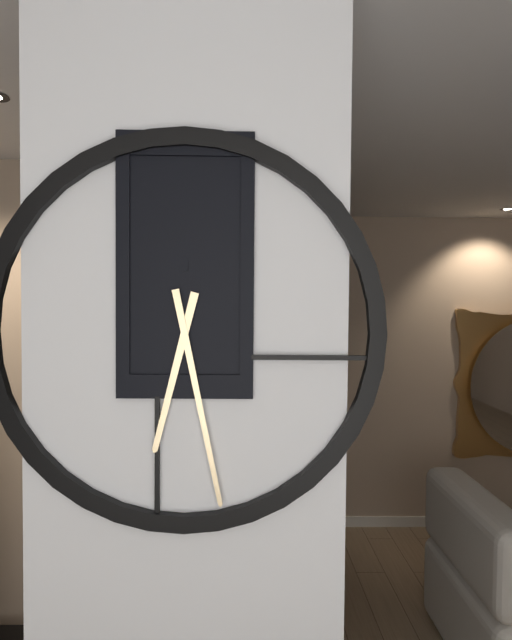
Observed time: **6:28**
